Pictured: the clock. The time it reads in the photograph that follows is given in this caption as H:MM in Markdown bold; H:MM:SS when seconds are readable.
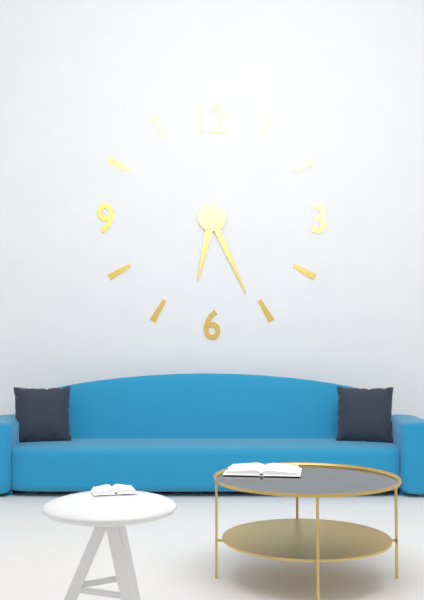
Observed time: **6:26**
